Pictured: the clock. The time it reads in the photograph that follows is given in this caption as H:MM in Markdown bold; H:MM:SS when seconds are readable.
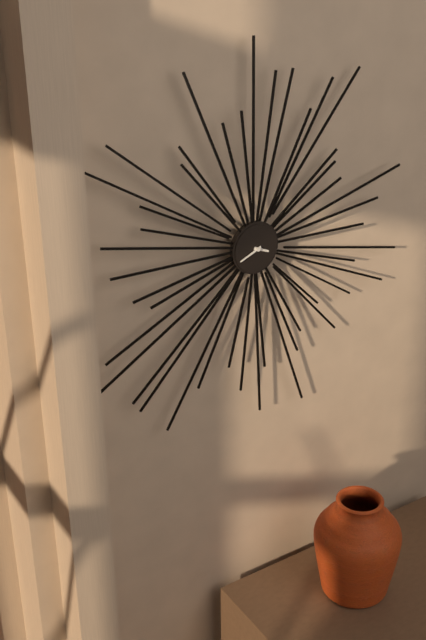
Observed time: **3:41**
